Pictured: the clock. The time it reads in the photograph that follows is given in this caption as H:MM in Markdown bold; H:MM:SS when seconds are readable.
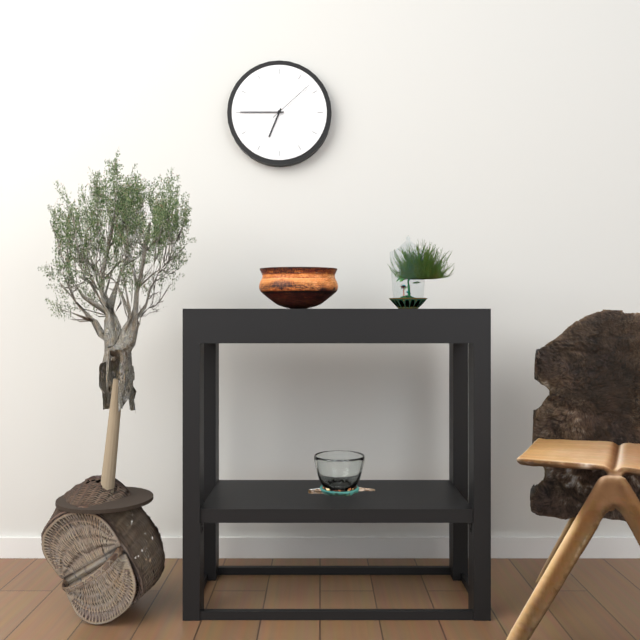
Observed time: **6:45:08**
